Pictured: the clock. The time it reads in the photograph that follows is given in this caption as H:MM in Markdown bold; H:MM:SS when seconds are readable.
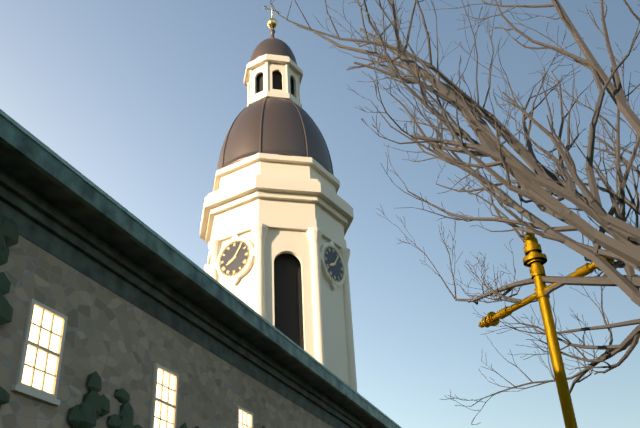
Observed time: **8:06**
